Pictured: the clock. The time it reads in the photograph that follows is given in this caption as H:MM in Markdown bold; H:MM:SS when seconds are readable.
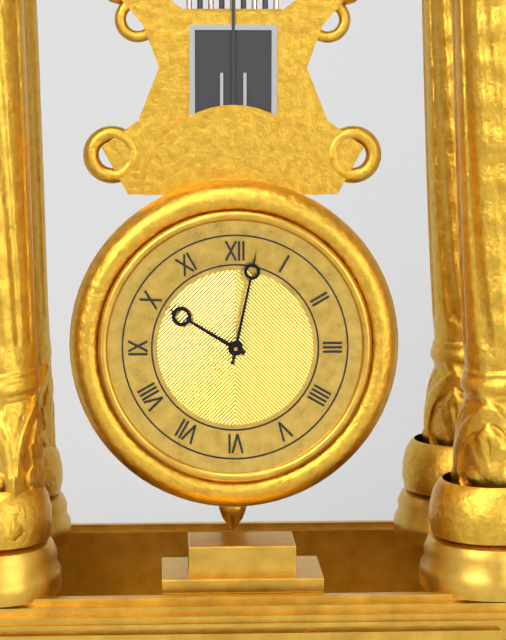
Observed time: **10:02**
